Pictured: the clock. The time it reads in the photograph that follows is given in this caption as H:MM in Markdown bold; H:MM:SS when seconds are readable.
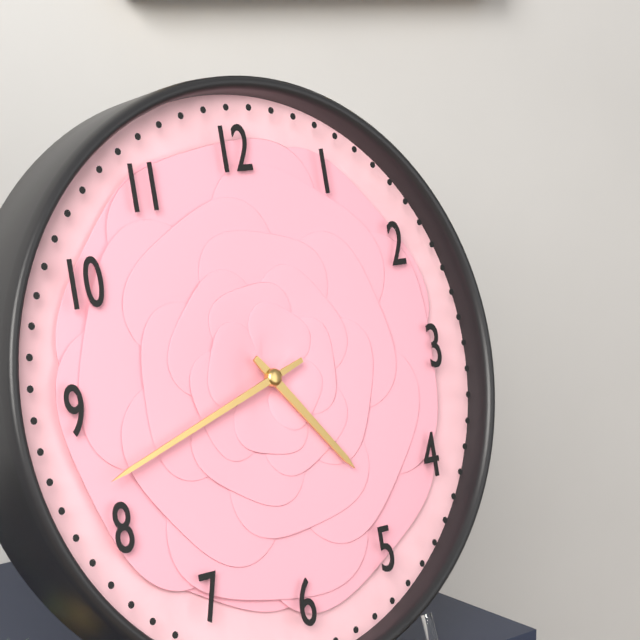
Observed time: **4:42**
